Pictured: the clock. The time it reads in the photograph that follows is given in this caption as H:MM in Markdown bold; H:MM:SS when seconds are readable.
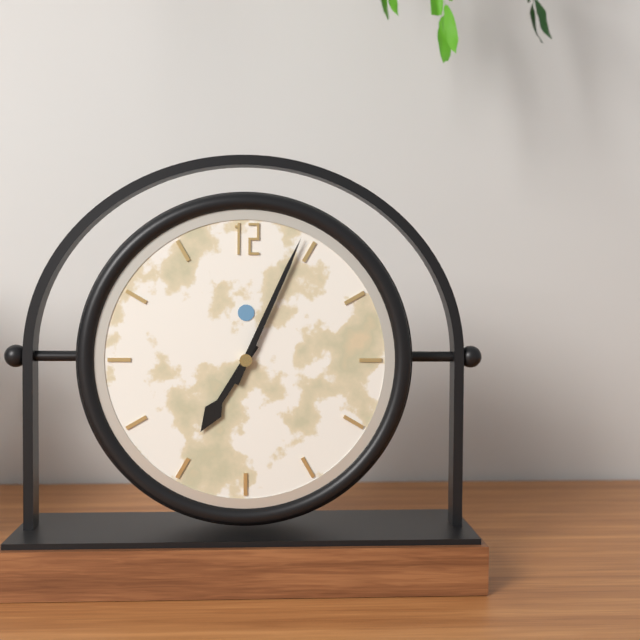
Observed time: **7:04**
